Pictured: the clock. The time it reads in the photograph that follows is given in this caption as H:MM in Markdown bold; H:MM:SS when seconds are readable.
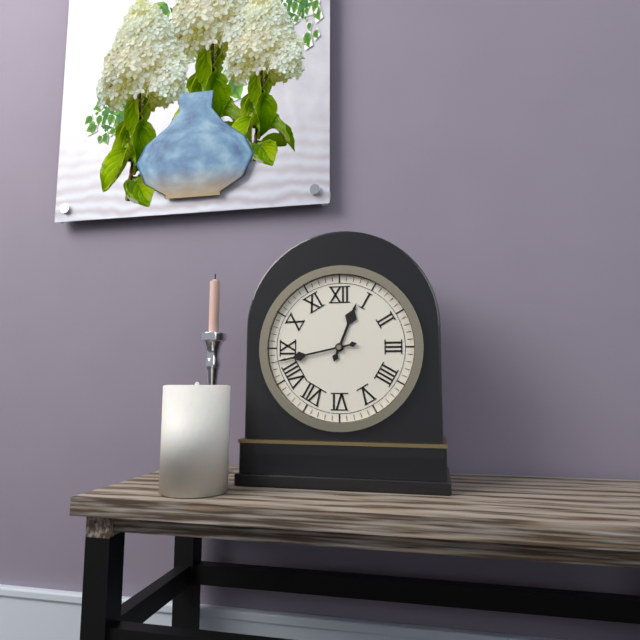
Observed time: **12:43**
